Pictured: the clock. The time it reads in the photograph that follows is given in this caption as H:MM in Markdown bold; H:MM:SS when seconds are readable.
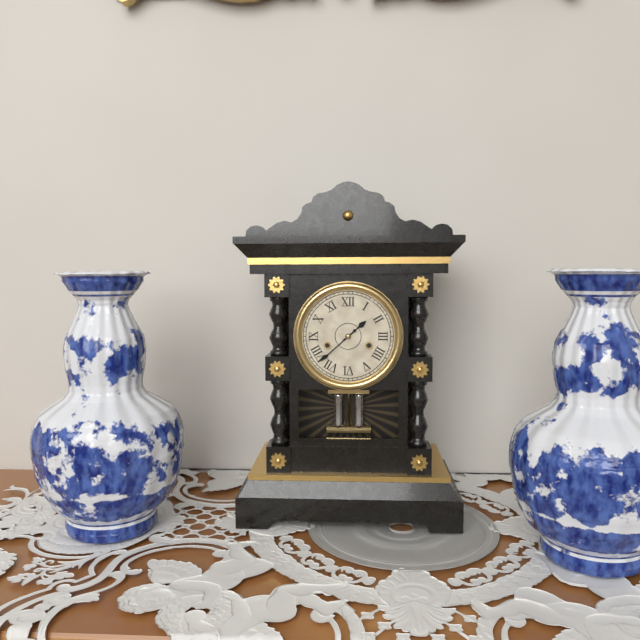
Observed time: **1:38**
